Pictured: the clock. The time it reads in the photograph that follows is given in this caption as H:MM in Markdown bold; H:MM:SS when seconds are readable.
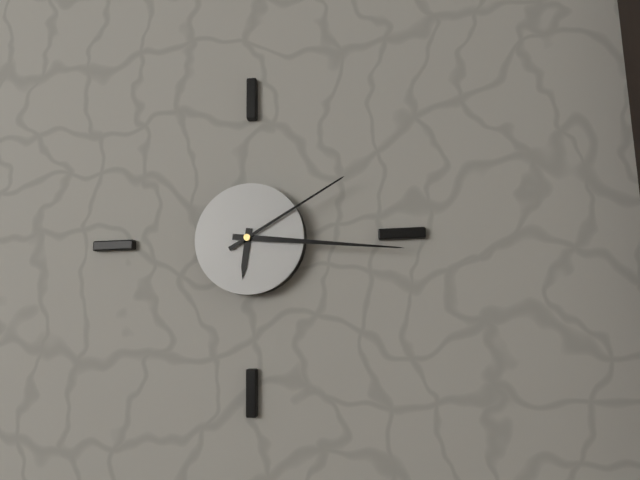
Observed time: **6:16:10**
